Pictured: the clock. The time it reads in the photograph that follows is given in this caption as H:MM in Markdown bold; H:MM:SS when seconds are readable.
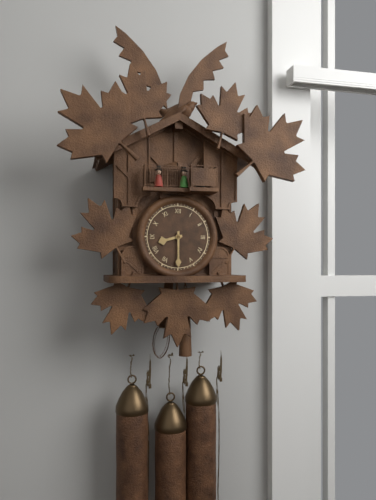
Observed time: **8:30**
